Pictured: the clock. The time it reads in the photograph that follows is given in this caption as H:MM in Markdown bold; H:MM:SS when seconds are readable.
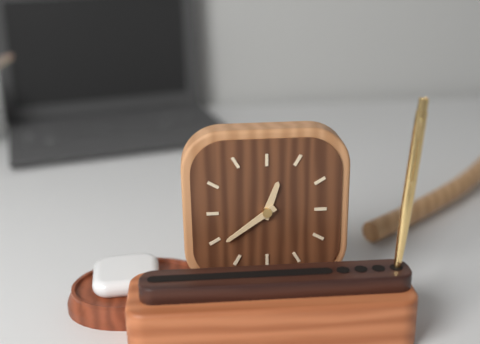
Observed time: **12:39**
